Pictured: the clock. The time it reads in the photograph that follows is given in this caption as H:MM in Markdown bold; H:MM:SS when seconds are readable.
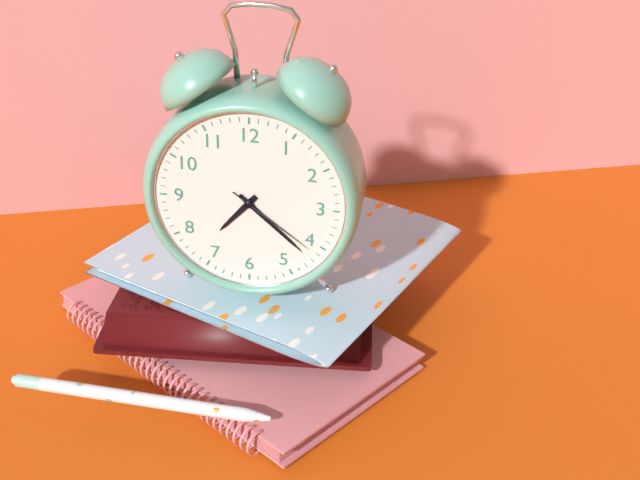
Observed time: **7:22:21**
